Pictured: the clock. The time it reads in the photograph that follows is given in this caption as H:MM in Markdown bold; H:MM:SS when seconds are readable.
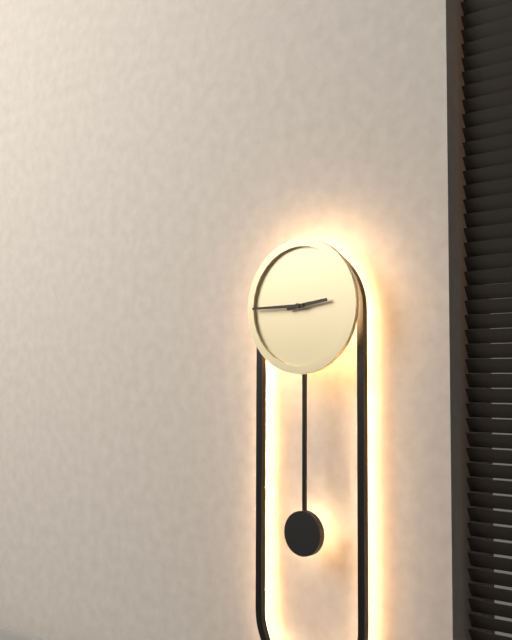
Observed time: **2:45**
